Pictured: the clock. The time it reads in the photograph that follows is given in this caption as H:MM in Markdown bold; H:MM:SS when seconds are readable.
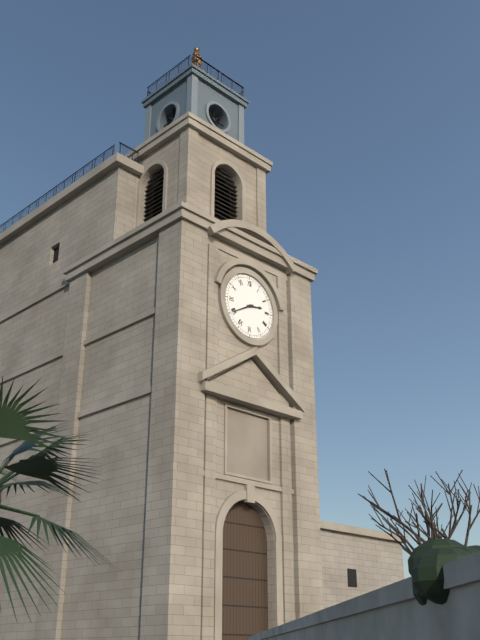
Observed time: **2:40**
